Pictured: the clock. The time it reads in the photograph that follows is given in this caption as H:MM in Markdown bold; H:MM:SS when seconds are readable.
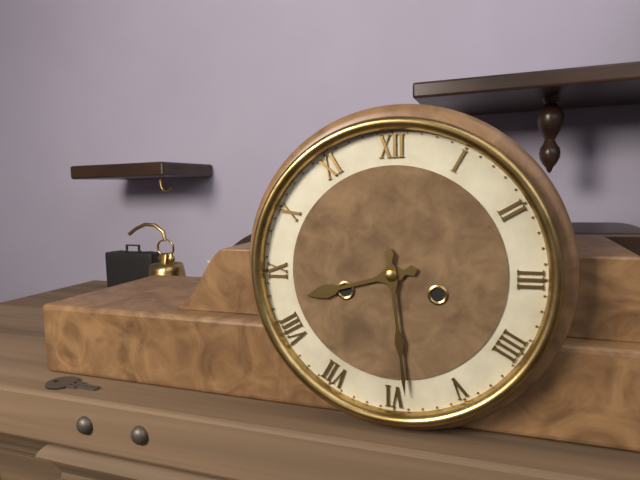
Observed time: **8:29**
